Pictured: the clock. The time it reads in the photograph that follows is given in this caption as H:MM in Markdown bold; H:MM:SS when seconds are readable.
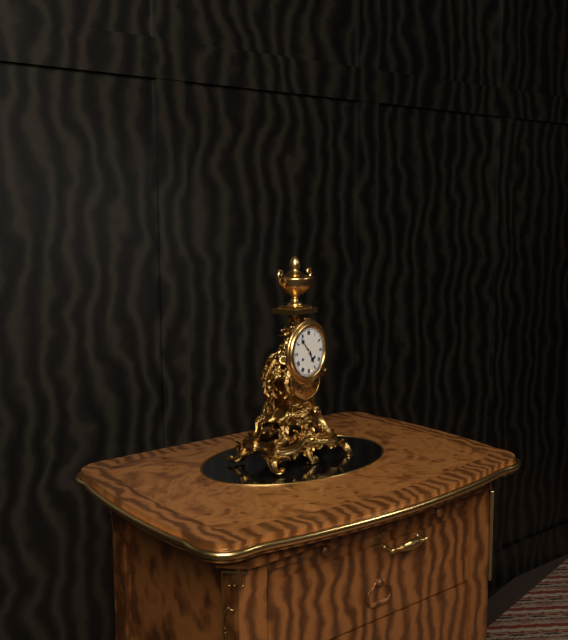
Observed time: **4:53**
